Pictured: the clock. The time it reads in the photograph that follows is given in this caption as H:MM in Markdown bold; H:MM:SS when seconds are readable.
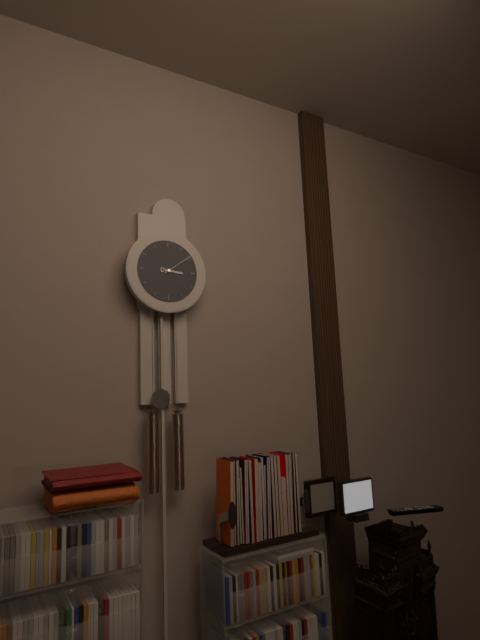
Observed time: **3:09**
